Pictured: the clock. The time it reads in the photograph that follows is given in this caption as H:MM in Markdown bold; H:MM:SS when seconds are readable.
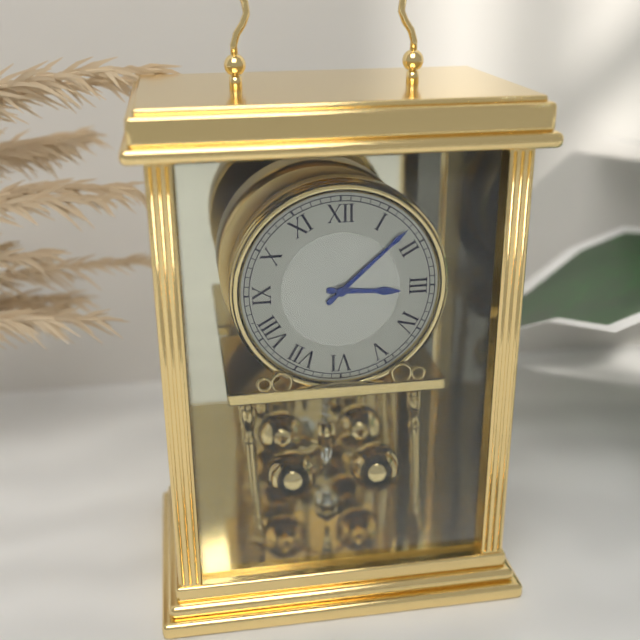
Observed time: **3:08**
